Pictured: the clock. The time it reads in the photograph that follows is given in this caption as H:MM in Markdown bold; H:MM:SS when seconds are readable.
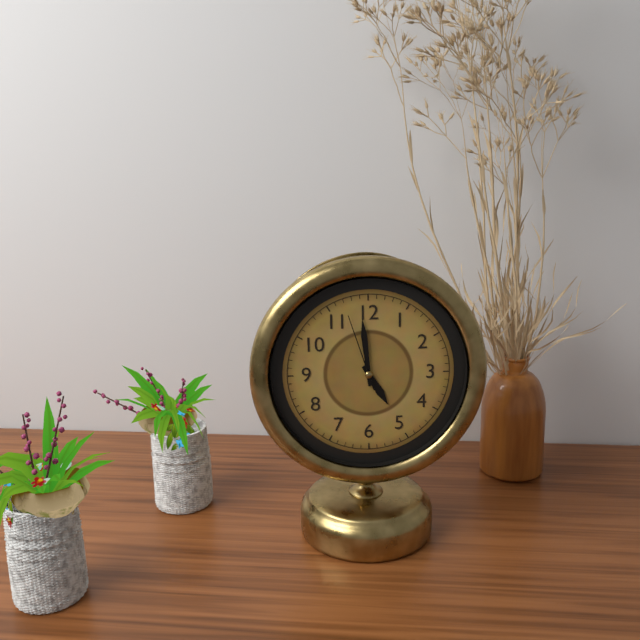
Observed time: **4:59:57**
